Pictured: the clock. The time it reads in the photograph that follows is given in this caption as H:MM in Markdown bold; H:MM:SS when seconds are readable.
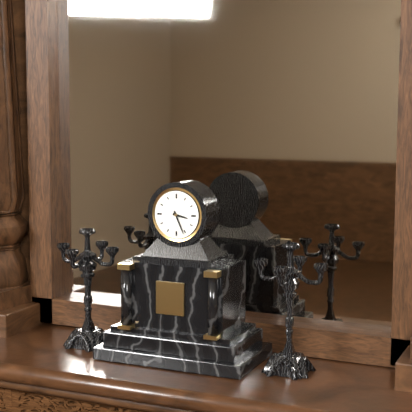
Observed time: **3:26**
